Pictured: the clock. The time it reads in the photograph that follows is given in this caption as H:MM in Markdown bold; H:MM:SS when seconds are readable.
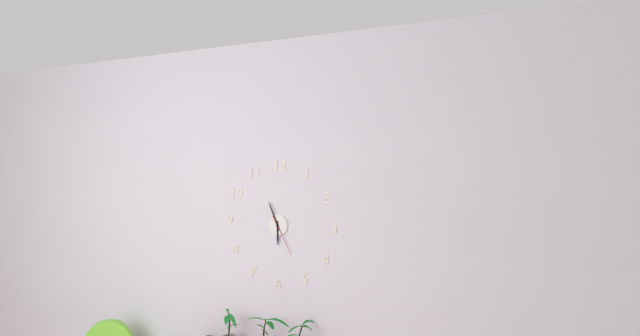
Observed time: **5:56**
